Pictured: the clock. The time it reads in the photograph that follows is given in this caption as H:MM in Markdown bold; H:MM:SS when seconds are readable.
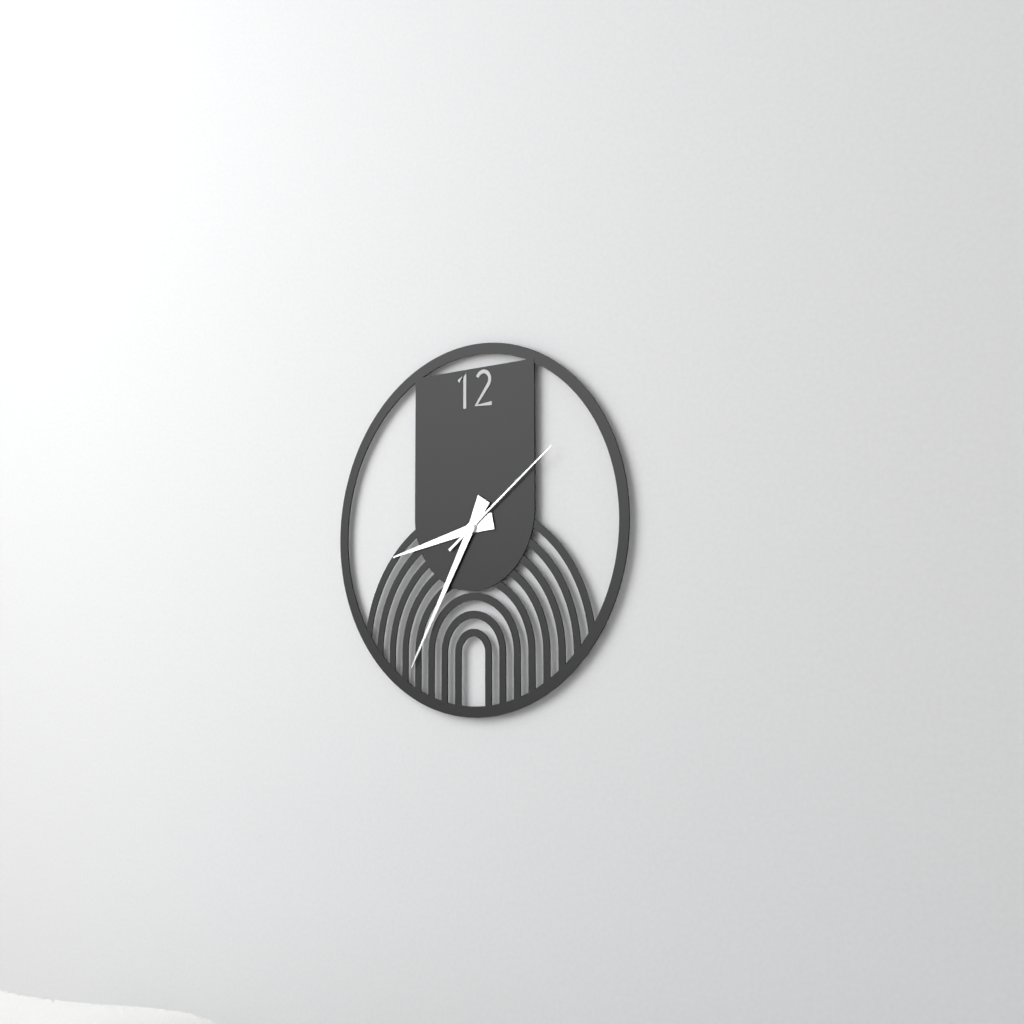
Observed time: **8:35:09**
